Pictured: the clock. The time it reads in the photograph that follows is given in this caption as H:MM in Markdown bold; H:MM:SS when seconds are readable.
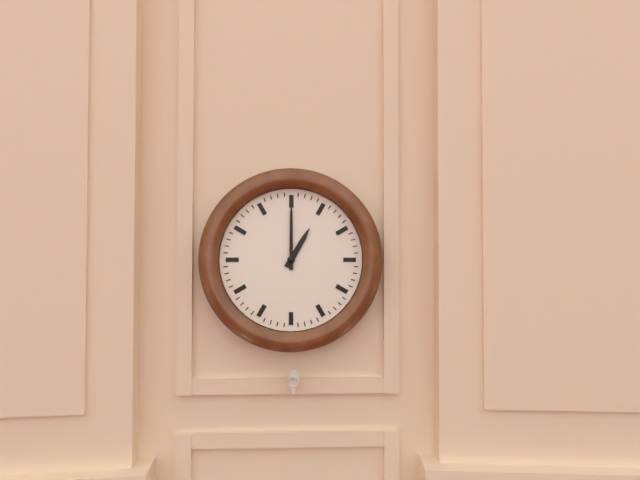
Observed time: **1:00**
